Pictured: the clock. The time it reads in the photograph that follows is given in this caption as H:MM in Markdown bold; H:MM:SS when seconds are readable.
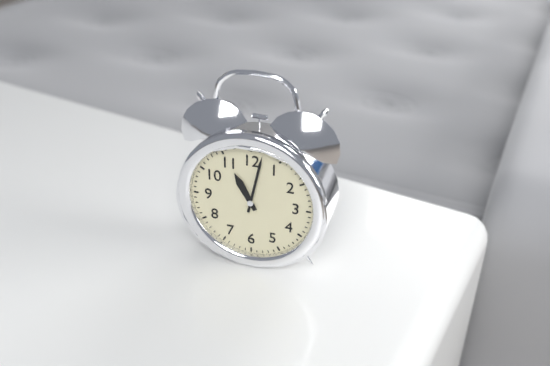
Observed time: **11:02**
